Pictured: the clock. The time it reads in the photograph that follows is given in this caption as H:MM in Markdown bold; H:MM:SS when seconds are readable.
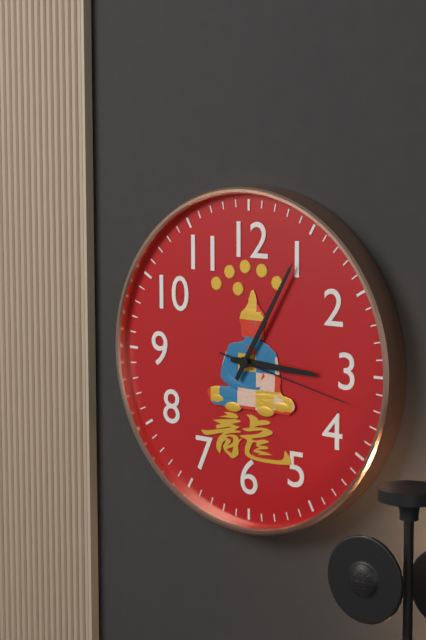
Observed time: **3:05:17**
